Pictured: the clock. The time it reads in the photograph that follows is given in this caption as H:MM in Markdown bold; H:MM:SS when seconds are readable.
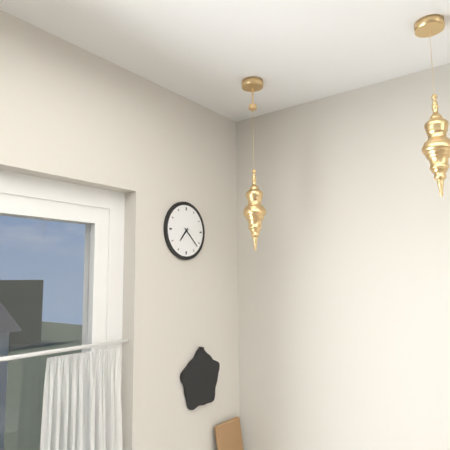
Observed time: **7:22**
